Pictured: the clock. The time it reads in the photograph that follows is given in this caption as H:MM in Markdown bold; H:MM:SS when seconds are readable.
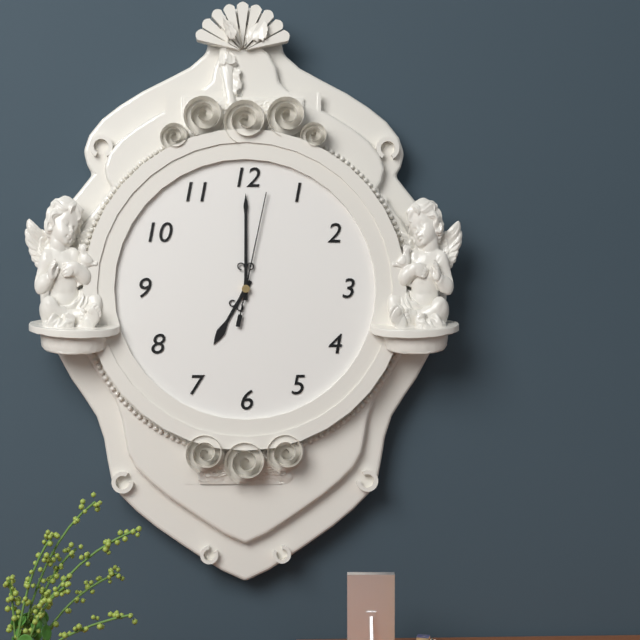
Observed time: **7:00:02**
